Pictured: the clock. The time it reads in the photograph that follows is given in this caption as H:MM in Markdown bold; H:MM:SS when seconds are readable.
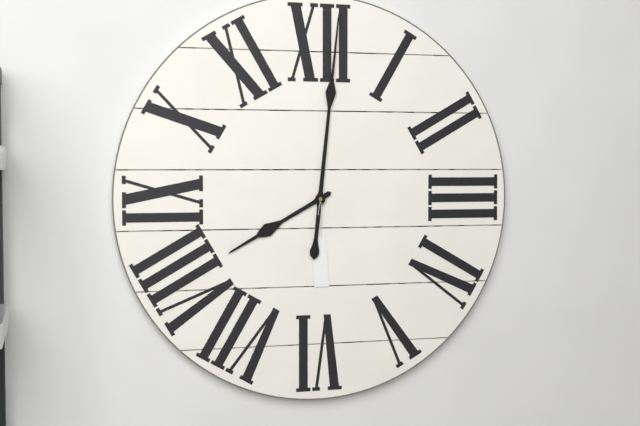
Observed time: **8:01**
